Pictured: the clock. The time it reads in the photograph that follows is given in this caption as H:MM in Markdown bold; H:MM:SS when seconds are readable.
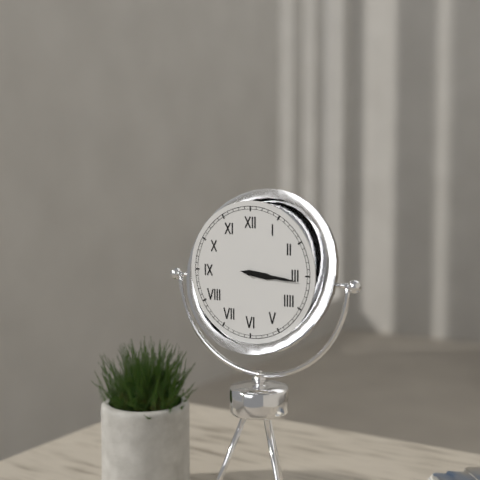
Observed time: **3:16**
